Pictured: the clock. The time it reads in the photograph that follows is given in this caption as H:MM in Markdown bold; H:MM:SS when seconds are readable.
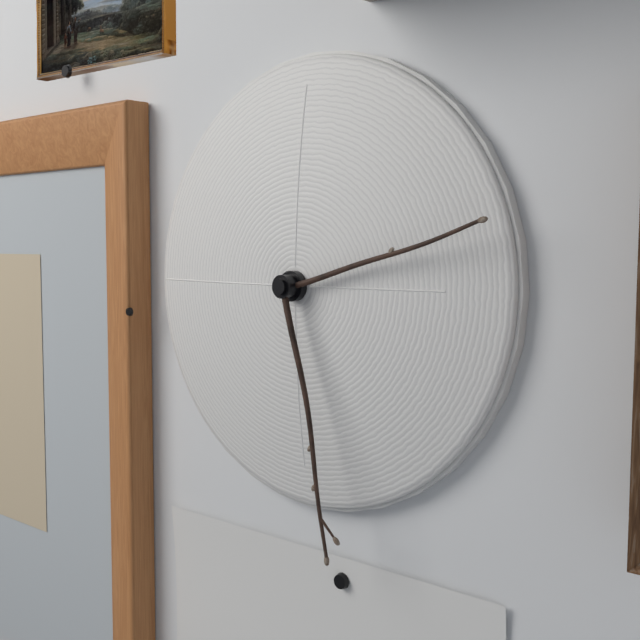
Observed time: **2:28**
